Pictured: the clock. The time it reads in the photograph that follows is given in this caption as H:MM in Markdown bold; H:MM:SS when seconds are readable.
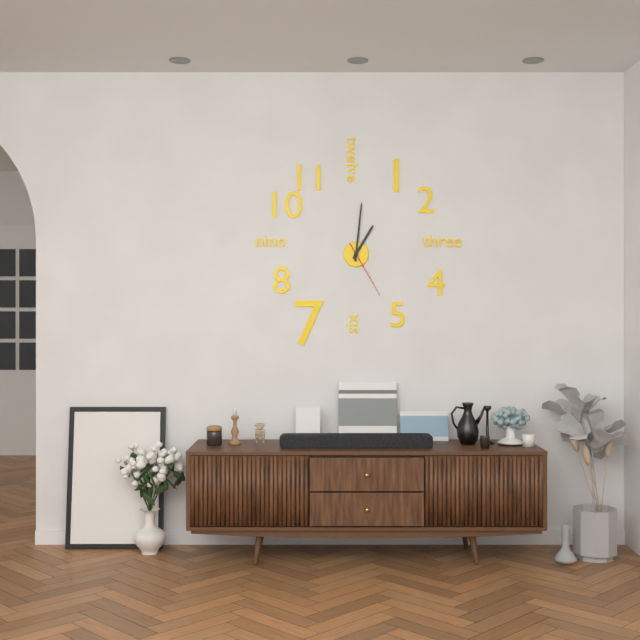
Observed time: **1:01:25**
